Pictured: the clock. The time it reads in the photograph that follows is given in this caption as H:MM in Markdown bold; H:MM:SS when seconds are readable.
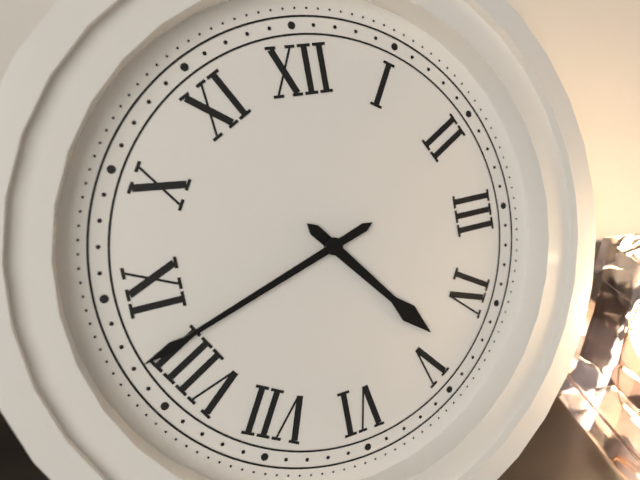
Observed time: **4:42**
